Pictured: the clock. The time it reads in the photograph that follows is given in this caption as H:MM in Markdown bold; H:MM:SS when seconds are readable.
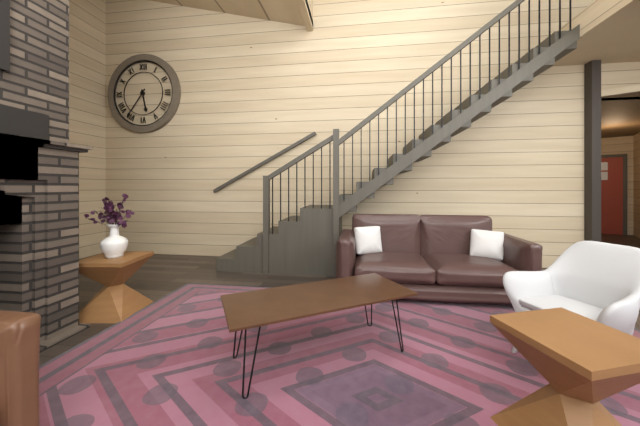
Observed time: **5:36**
